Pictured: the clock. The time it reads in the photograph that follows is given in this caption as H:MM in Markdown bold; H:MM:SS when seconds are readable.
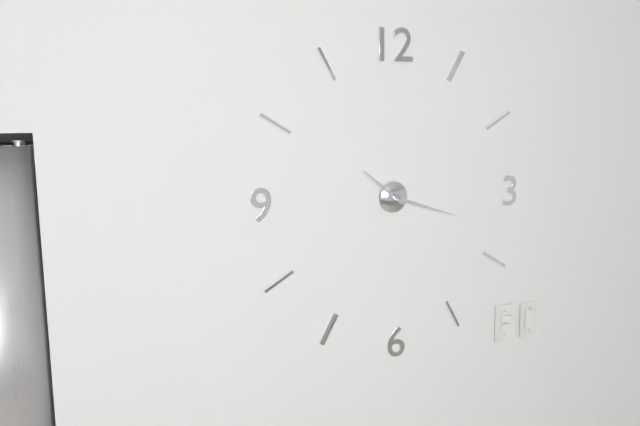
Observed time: **10:18**
